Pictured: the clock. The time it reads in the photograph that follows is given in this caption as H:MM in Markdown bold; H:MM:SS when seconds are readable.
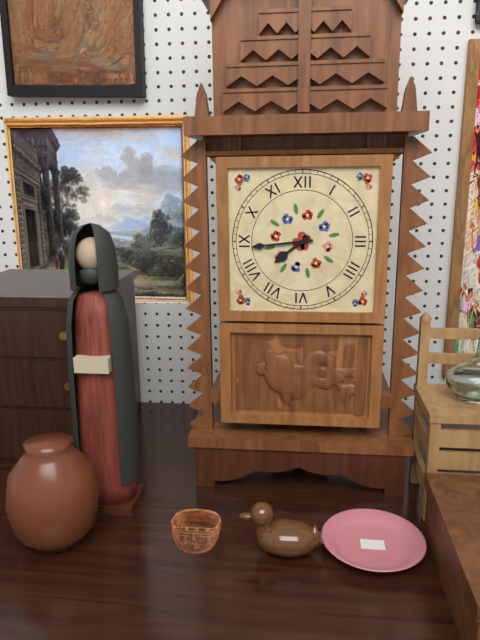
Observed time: **7:44**
